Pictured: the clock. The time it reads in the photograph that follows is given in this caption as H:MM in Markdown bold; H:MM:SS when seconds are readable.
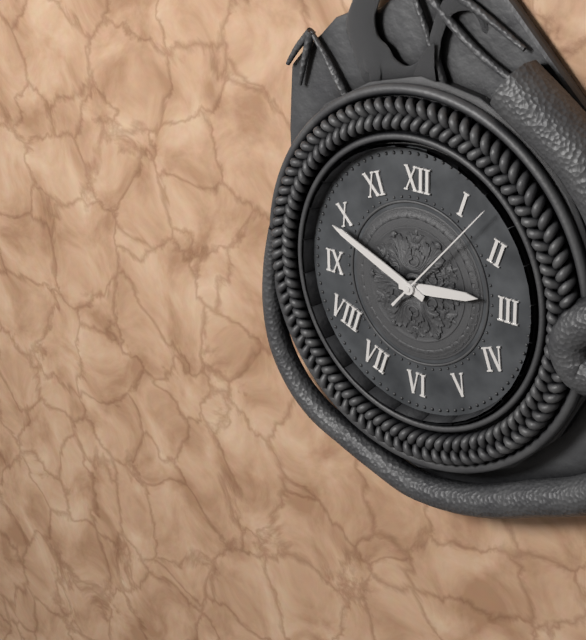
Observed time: **2:49:07**
